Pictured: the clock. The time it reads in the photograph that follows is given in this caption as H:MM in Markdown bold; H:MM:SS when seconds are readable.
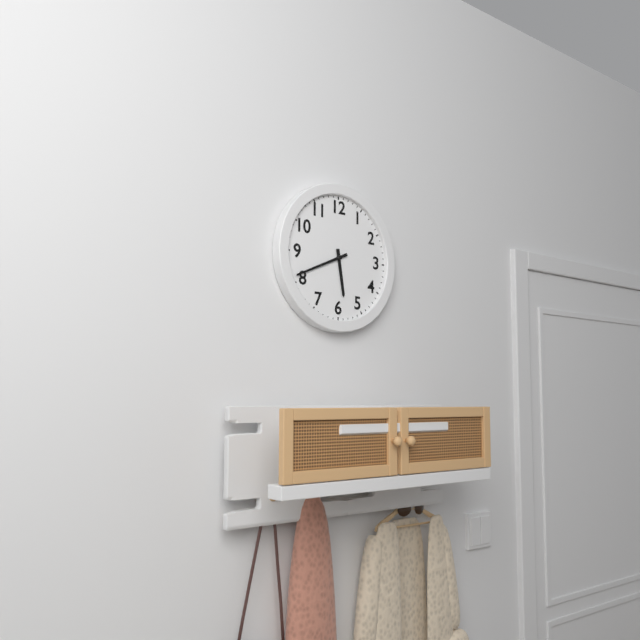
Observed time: **5:41**
